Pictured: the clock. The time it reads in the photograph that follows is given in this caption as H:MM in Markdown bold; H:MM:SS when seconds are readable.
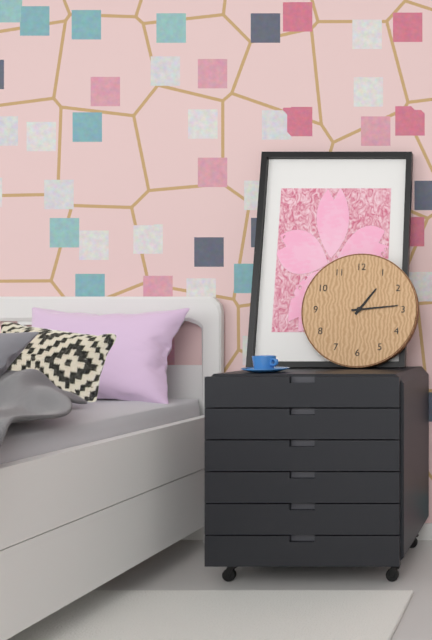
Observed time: **1:14**
